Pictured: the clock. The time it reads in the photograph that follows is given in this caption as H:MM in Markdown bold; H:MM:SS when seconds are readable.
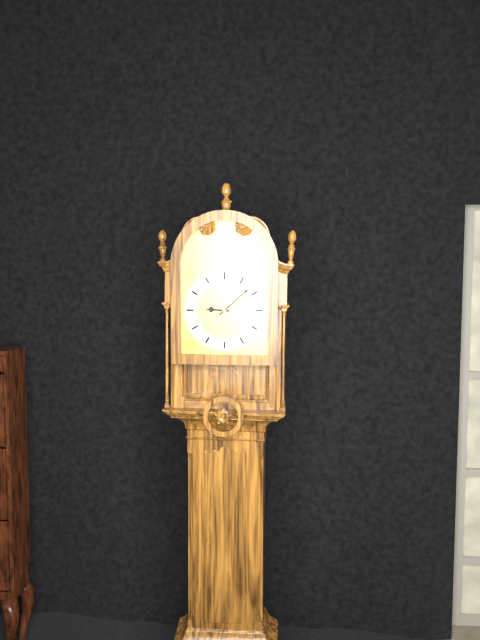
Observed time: **9:08**
